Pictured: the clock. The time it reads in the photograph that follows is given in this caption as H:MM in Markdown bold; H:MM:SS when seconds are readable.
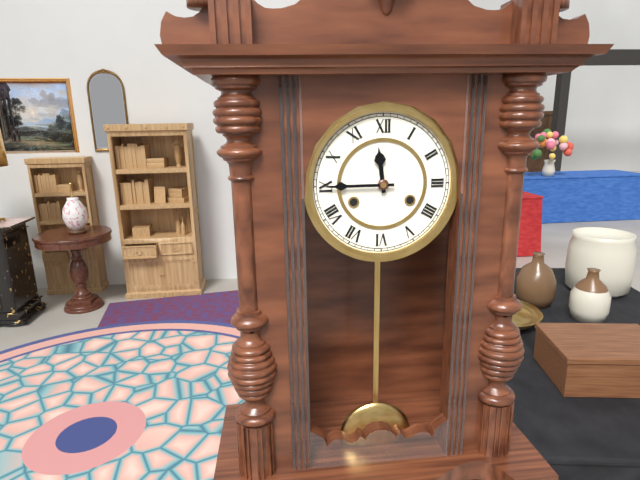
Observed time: **11:45**
